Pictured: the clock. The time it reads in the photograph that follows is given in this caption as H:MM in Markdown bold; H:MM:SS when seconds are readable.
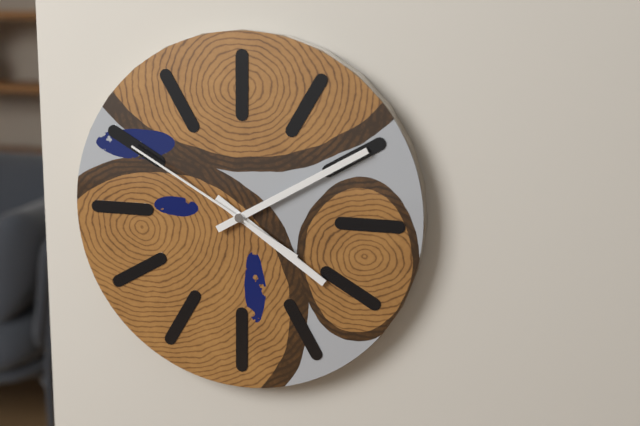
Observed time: **4:10:50**
